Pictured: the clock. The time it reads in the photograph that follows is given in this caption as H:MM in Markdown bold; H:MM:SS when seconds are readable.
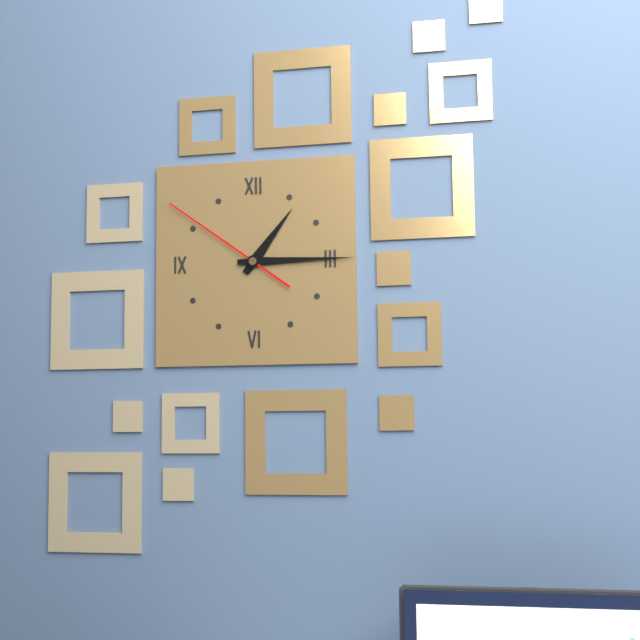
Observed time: **1:15:51**
